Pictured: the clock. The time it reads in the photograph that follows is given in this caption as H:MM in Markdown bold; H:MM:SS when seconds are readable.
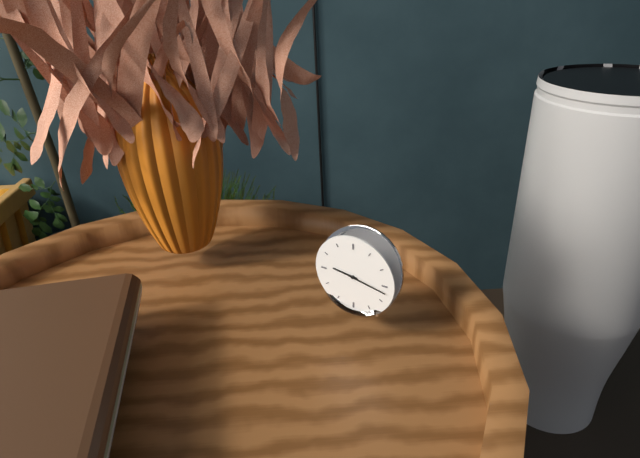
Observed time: **9:17**
